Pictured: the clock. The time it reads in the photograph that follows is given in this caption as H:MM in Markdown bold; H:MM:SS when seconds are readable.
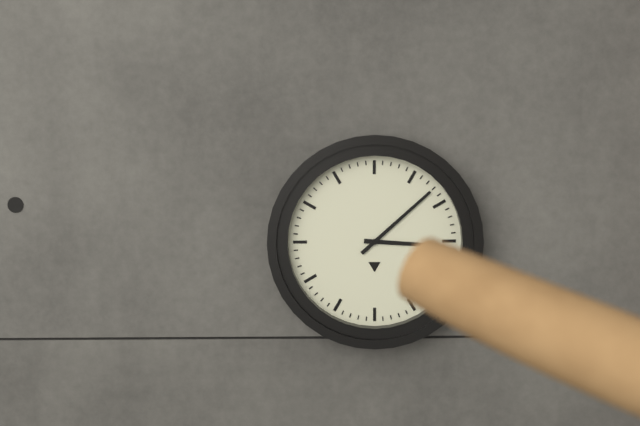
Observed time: **3:08**
